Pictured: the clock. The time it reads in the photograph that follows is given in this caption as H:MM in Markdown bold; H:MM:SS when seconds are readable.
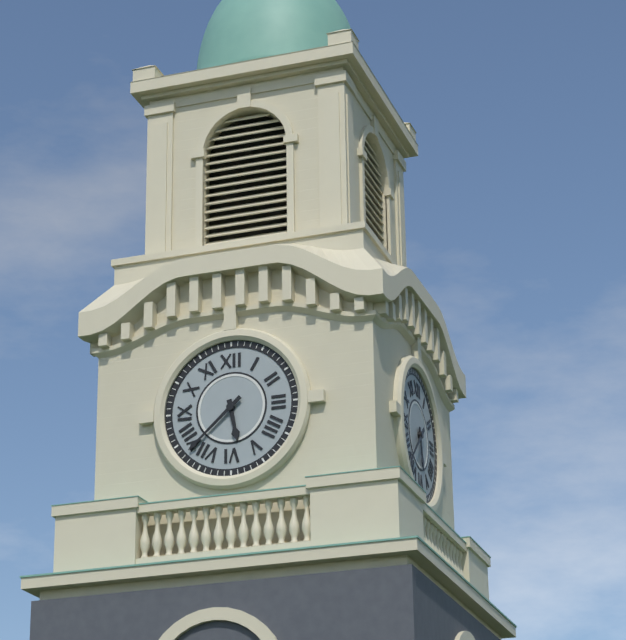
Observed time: **5:38**
